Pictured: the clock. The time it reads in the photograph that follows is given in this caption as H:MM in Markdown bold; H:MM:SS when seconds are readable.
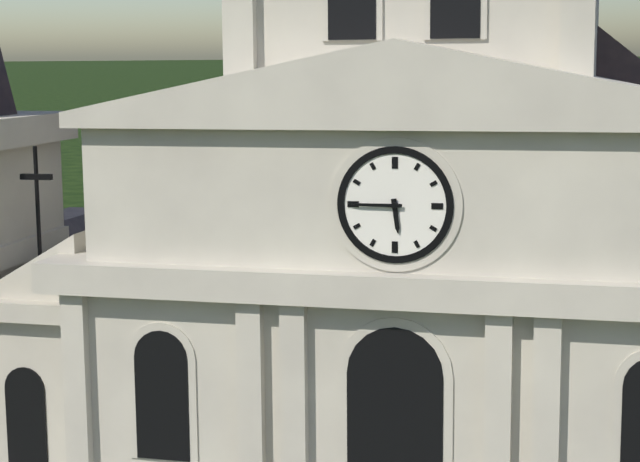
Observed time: **5:45**
